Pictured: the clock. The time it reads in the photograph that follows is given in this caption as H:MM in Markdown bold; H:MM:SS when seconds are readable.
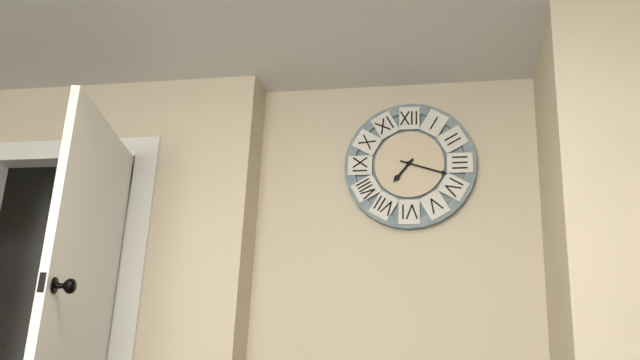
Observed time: **7:18**
